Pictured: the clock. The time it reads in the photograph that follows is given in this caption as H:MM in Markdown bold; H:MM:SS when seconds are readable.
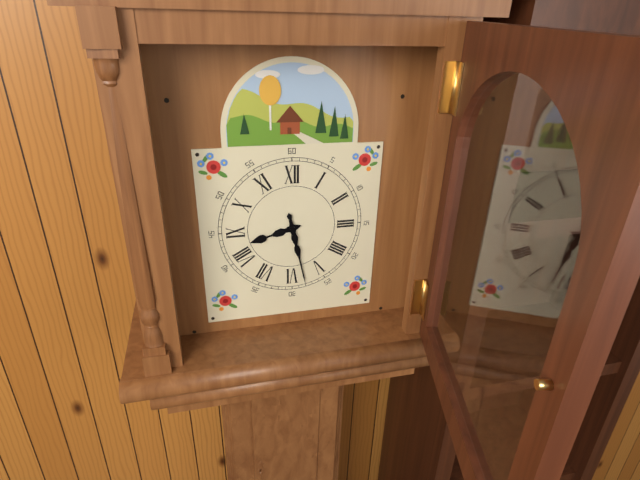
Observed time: **8:28**
